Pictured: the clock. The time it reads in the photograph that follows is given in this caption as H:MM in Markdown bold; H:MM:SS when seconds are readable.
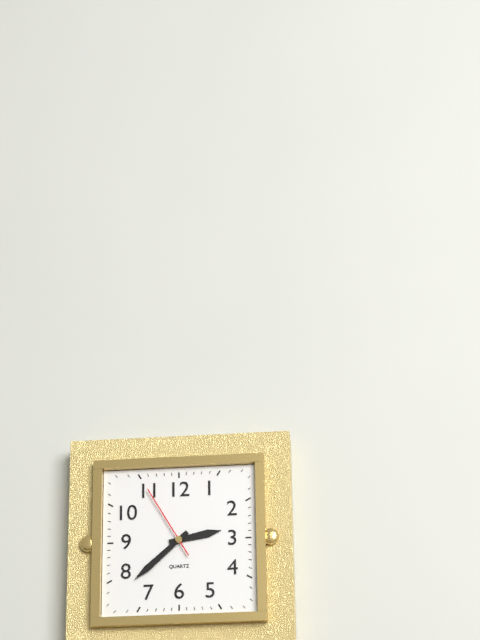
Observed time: **2:38:55**
